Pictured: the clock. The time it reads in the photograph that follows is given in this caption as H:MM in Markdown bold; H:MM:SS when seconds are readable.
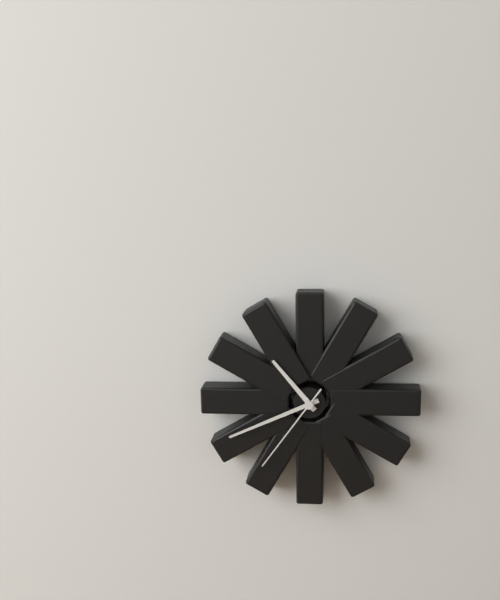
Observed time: **10:41:36**
